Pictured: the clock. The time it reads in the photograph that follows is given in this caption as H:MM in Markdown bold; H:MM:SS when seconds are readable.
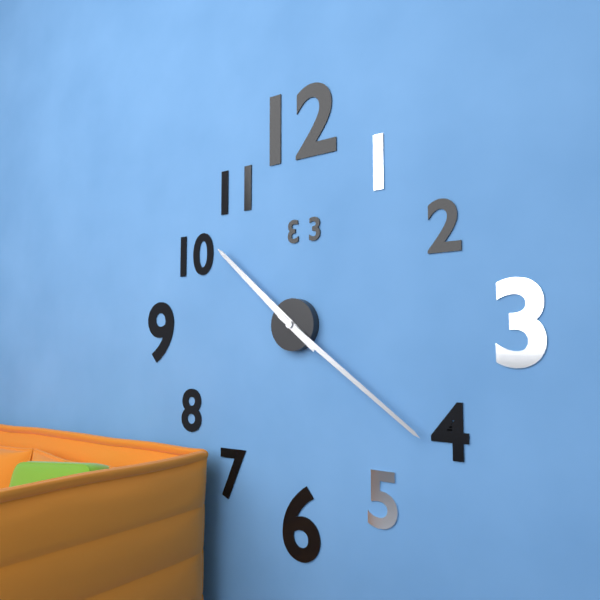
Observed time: **10:21**
